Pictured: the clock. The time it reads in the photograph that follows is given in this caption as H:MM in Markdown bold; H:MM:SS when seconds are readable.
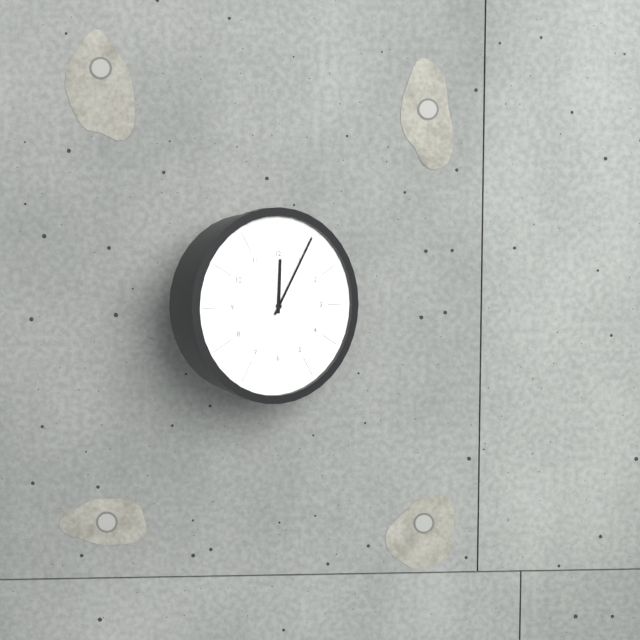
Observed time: **12:05**
